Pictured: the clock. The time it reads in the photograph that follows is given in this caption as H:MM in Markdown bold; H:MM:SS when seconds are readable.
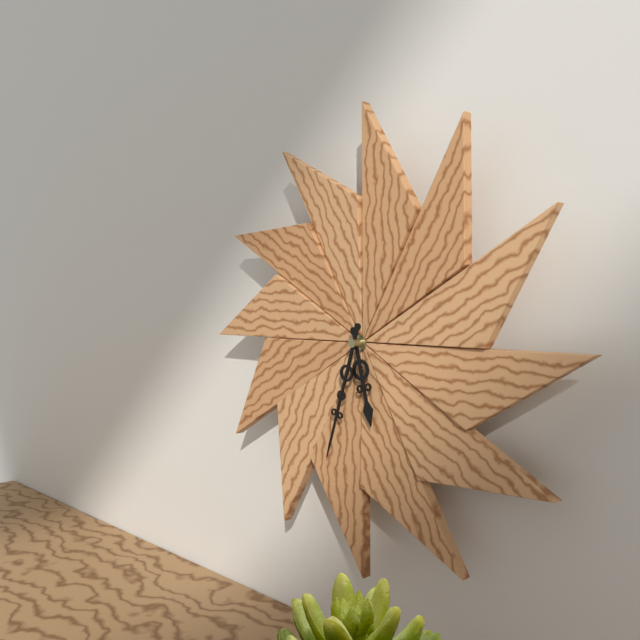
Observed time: **5:33**
